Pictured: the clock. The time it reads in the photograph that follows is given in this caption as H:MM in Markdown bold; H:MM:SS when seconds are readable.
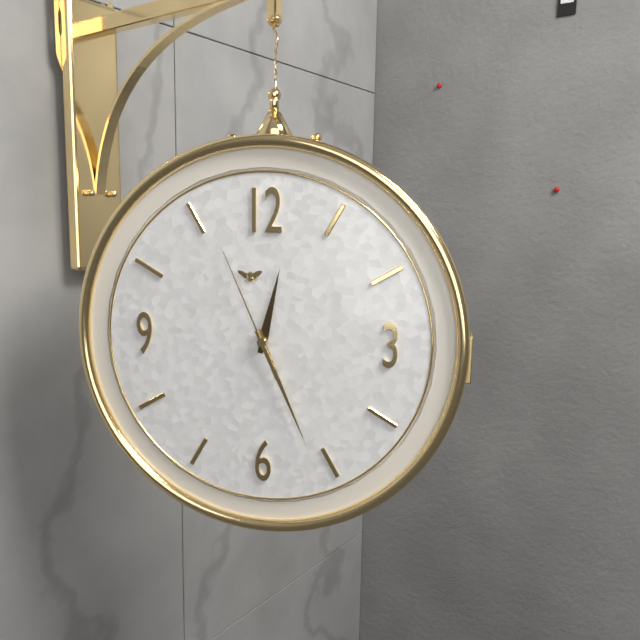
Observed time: **12:26:56**
